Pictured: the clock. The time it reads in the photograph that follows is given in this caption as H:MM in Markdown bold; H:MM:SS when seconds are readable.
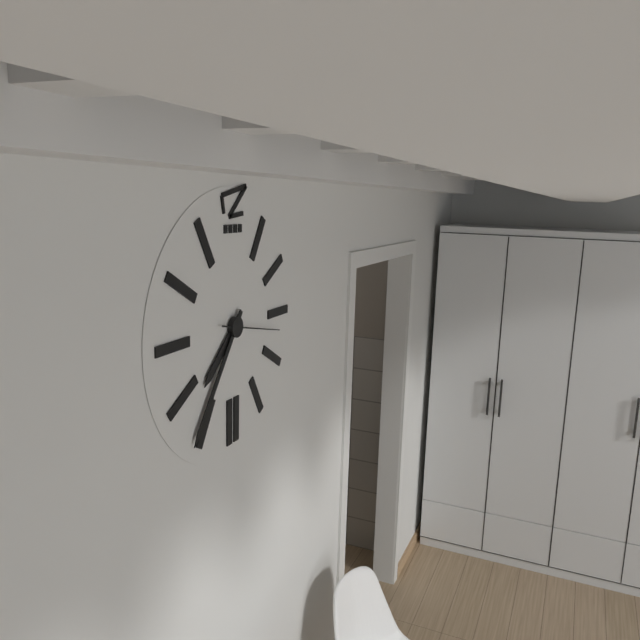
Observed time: **7:36:17**
